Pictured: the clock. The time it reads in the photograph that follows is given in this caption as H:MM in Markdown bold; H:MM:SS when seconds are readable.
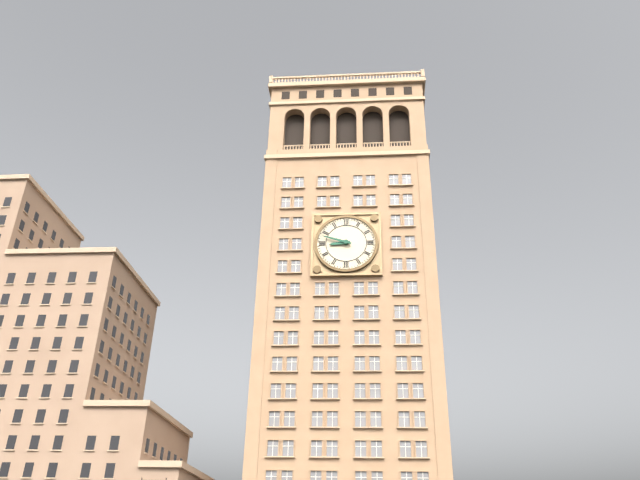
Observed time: **8:48**
